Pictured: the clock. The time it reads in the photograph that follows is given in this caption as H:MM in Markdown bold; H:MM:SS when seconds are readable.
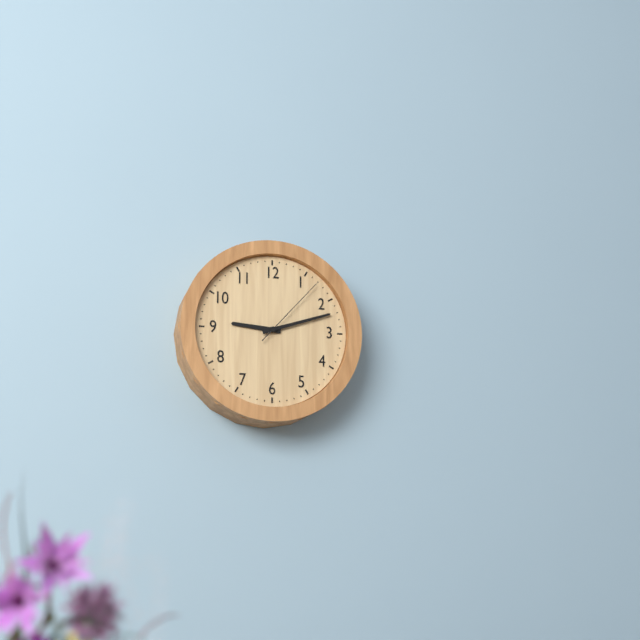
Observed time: **9:12:07**
